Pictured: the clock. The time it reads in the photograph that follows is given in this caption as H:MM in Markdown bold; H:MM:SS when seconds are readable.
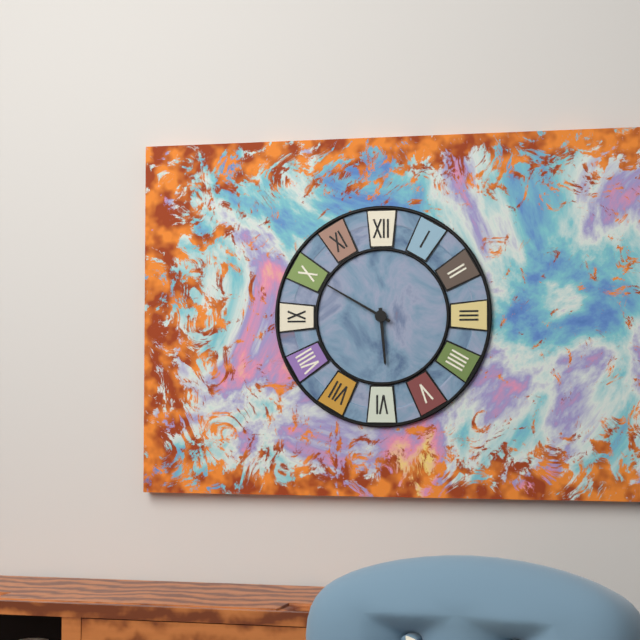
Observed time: **5:50**
